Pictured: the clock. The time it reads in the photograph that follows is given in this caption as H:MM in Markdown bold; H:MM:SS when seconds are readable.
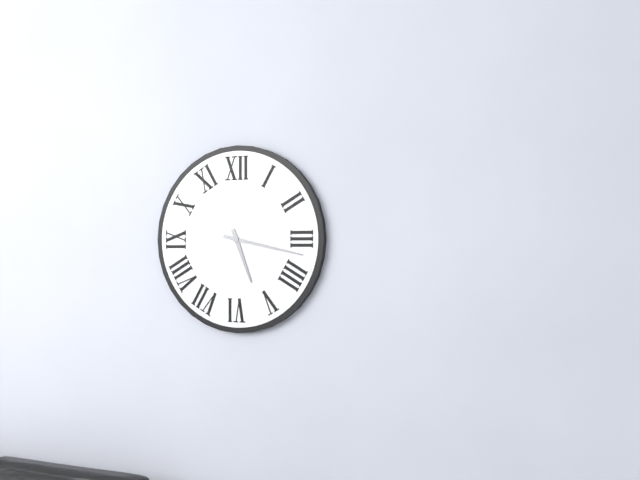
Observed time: **5:17**
